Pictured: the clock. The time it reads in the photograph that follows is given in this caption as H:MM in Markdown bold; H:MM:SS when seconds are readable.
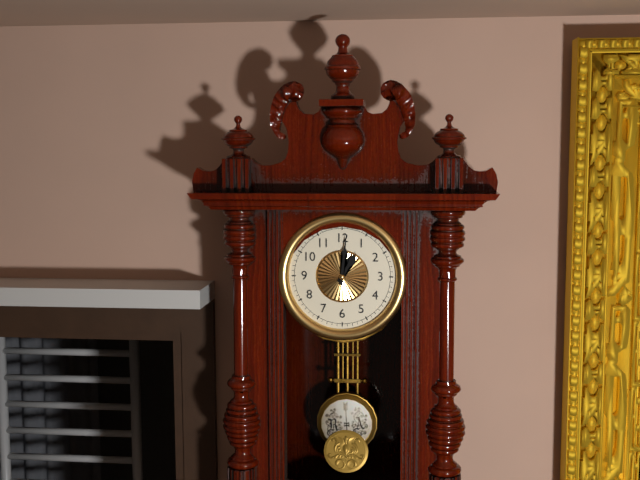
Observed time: **1:01**
